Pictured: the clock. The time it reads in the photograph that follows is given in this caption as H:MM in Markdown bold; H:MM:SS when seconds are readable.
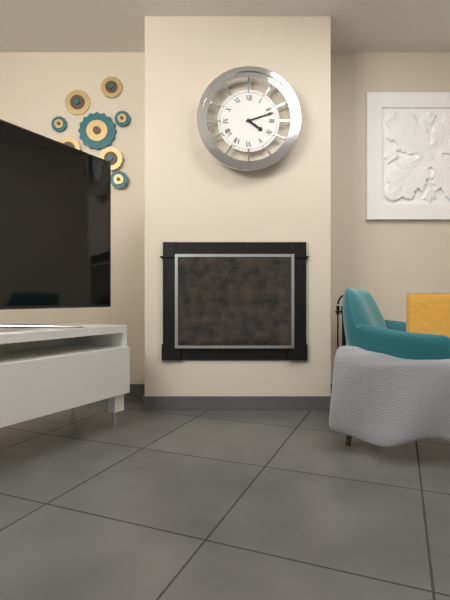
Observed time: **4:12**
